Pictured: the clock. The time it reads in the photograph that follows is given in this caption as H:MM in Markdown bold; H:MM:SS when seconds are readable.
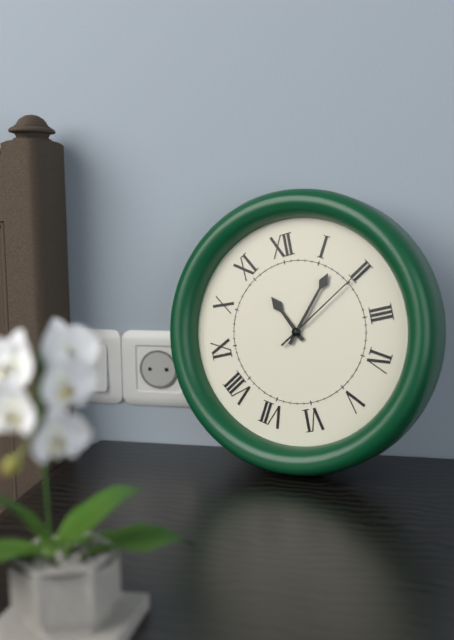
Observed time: **11:07:10**
